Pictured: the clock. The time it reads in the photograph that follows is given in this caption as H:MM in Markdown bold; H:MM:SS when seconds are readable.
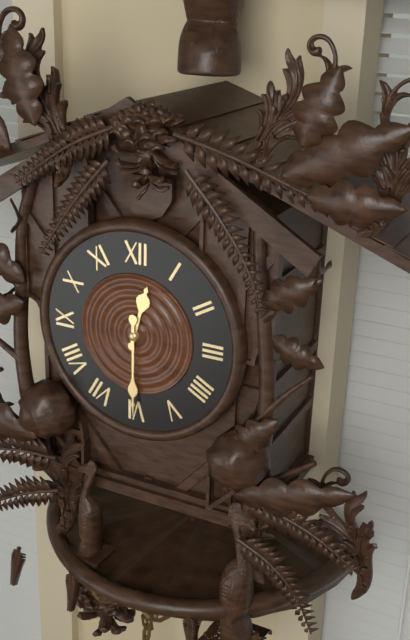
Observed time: **12:30**
